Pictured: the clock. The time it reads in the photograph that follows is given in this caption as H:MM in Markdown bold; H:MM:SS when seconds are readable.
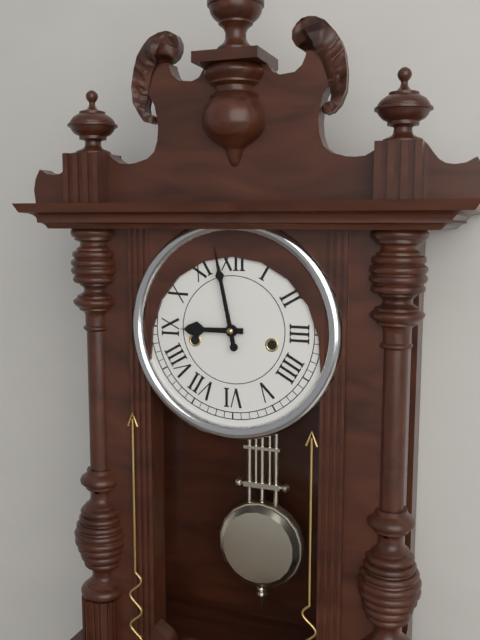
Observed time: **8:58**
